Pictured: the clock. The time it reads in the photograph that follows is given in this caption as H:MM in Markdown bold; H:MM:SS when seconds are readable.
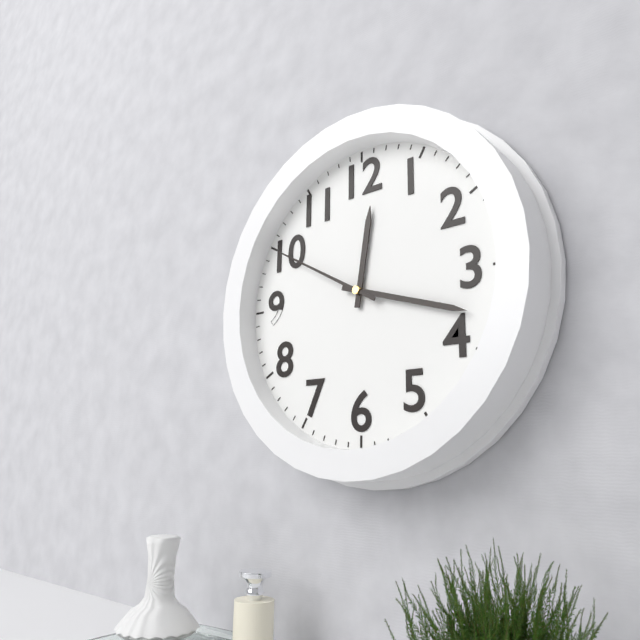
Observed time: **12:18:50**
